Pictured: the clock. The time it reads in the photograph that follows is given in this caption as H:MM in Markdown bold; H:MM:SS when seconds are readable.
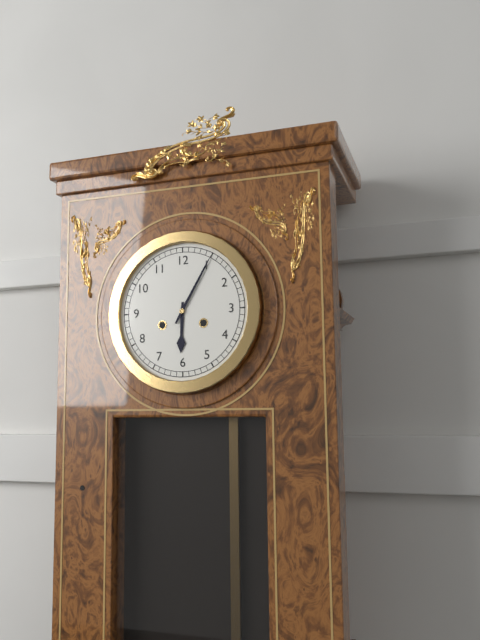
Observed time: **6:05**
